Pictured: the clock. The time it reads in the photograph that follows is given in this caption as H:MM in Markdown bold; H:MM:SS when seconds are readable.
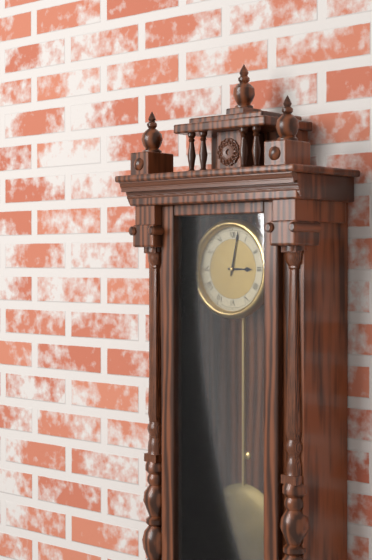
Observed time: **3:02**
